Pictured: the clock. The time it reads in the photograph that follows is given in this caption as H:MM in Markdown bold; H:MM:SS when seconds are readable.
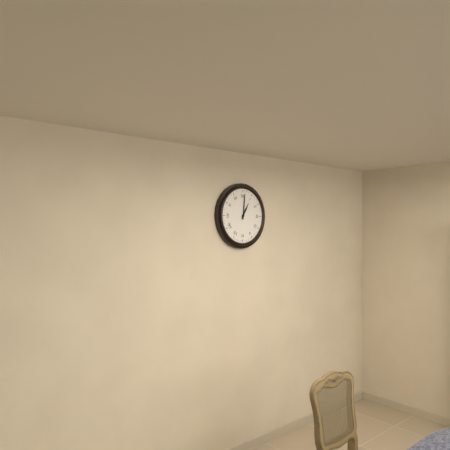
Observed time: **1:01**
